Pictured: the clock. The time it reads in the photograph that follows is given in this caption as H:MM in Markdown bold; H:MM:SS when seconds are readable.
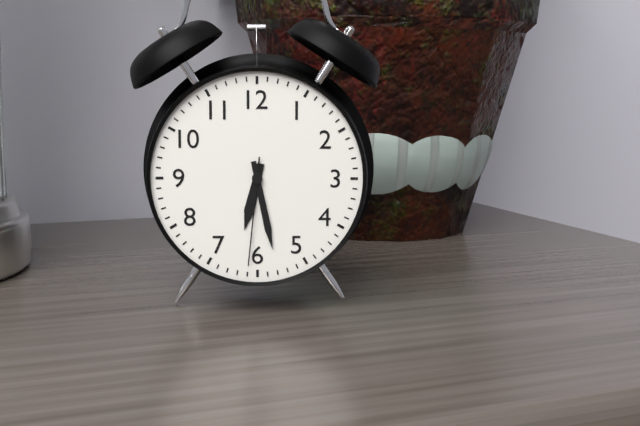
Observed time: **6:28:31**
